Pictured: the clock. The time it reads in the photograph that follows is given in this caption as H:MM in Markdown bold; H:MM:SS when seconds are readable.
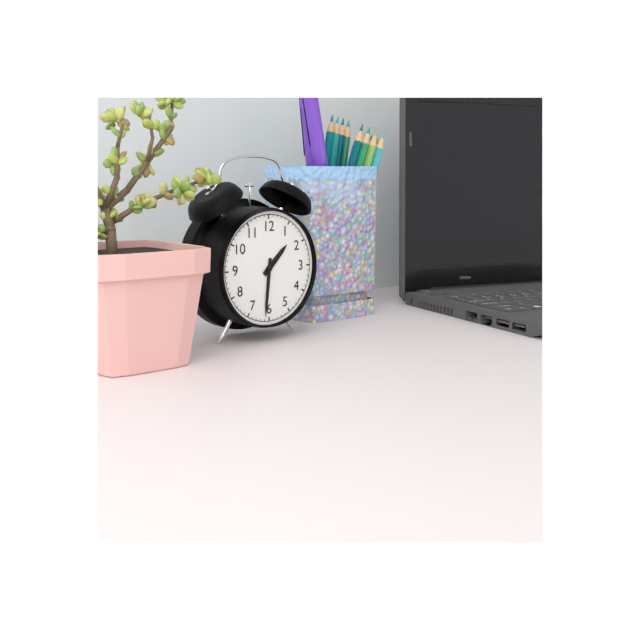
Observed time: **1:31**
